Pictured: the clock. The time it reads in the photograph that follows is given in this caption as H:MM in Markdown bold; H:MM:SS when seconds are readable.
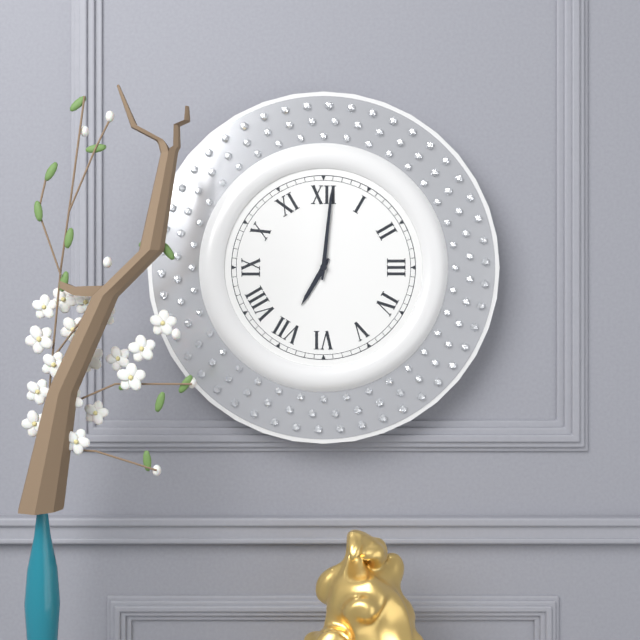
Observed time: **7:01**
